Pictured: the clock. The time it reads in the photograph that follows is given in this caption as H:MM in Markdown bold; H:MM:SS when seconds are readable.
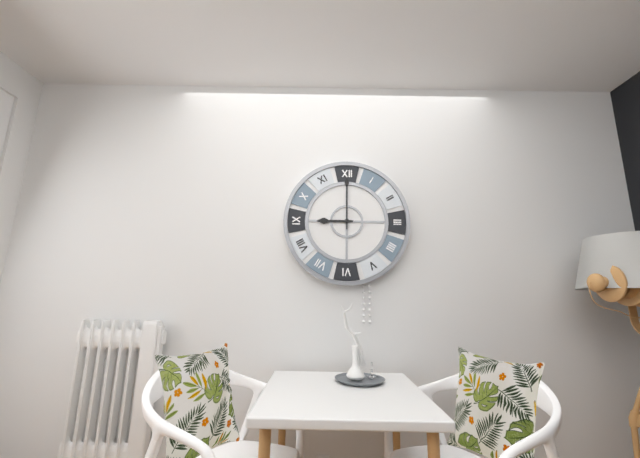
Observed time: **9:00**
